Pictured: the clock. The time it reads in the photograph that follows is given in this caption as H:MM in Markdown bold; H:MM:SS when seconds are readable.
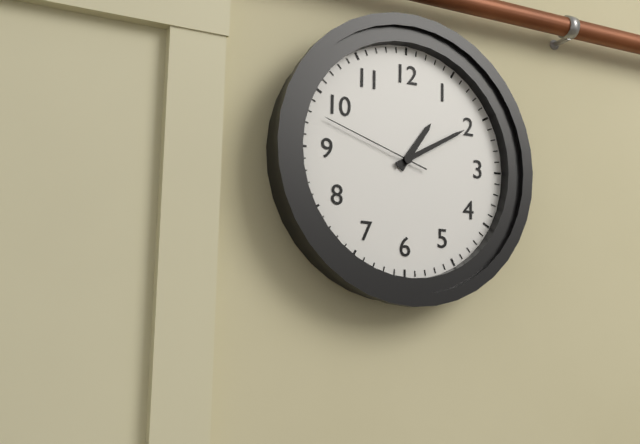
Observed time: **1:10:48**
